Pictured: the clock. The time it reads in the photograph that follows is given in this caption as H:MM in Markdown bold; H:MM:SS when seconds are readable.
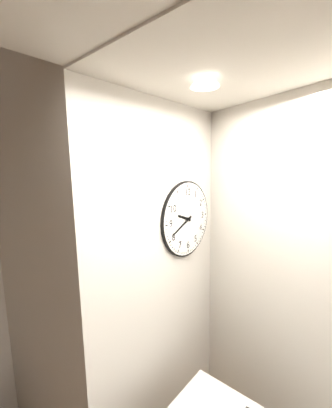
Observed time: **9:41**
